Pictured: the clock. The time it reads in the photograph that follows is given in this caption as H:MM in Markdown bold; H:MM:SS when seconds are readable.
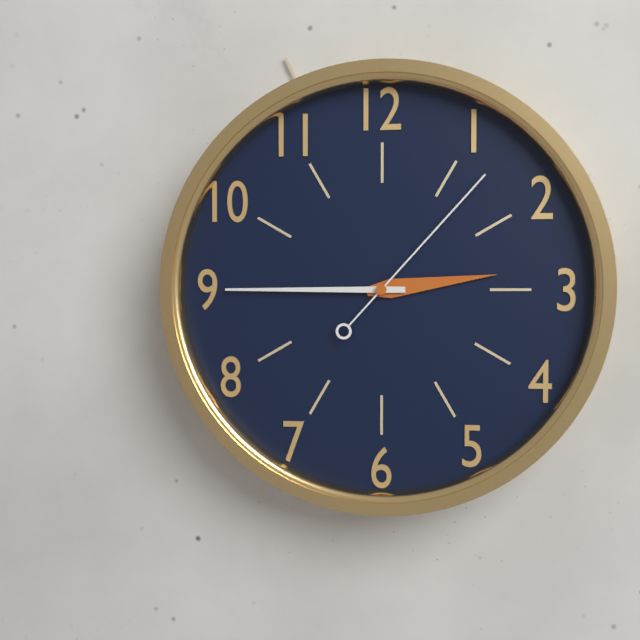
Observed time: **2:45:07**
